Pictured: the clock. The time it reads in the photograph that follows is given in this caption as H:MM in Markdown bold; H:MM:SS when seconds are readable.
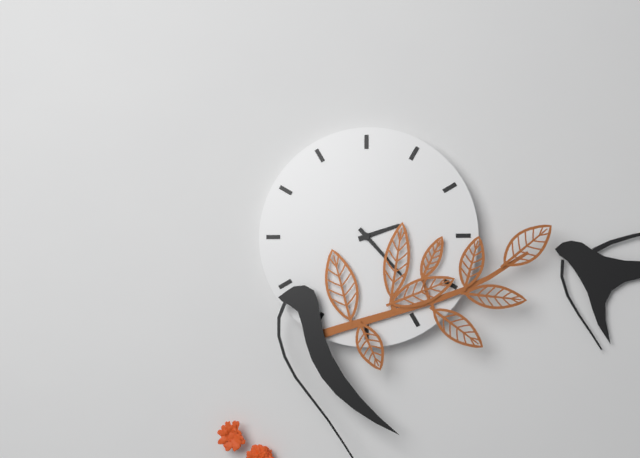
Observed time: **2:23**
